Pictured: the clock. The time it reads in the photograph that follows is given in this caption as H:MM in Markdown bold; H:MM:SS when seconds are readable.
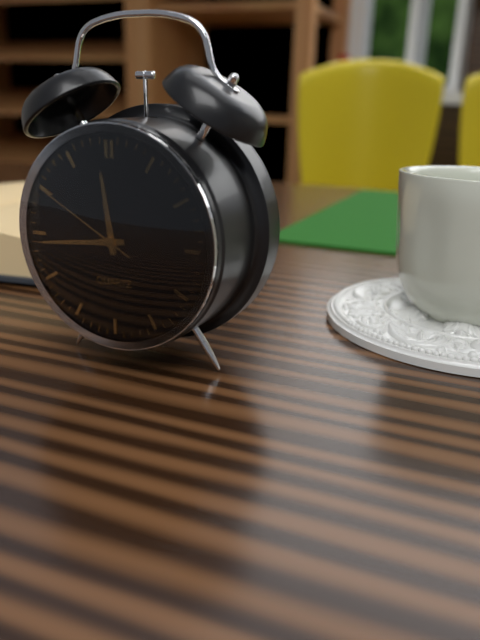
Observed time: **11:44:50**
